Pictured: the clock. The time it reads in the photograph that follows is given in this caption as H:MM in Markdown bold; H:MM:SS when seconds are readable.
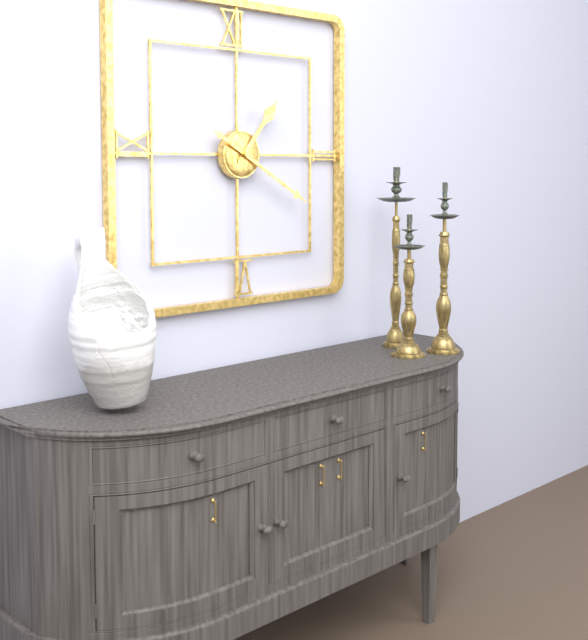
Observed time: **1:20**
